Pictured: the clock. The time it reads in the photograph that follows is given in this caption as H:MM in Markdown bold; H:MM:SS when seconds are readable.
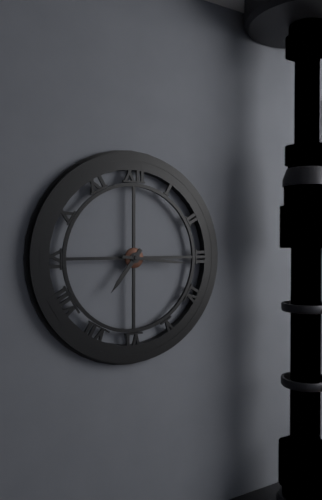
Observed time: **7:16**
